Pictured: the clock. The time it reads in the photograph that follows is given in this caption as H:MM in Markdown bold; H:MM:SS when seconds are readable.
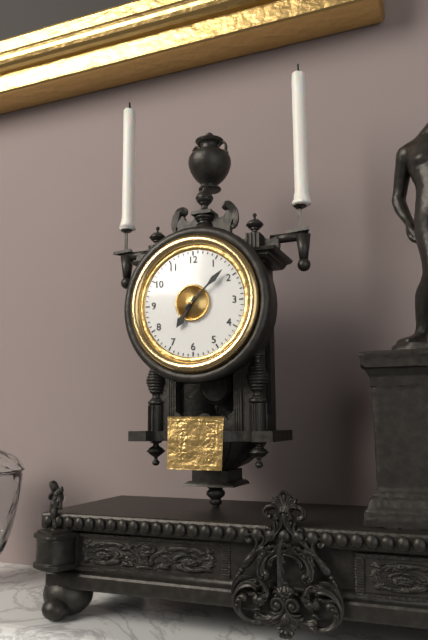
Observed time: **7:08**
